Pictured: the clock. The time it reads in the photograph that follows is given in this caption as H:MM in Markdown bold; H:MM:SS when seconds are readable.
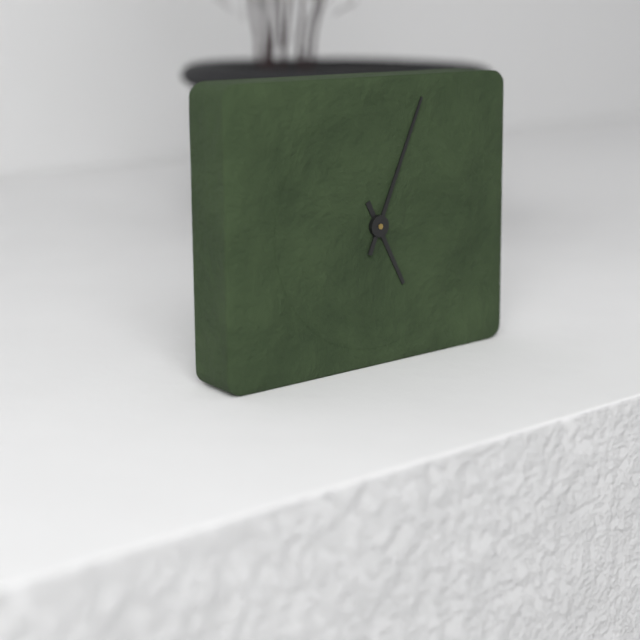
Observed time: **5:04**
